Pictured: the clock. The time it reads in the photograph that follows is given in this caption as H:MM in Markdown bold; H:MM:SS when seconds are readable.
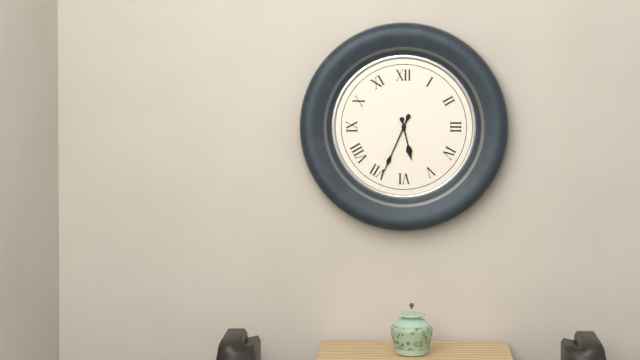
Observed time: **5:34**
